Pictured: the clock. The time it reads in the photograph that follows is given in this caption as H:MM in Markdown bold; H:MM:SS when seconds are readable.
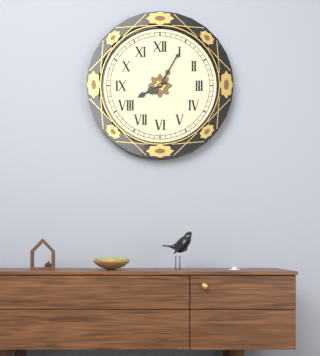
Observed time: **8:05**
